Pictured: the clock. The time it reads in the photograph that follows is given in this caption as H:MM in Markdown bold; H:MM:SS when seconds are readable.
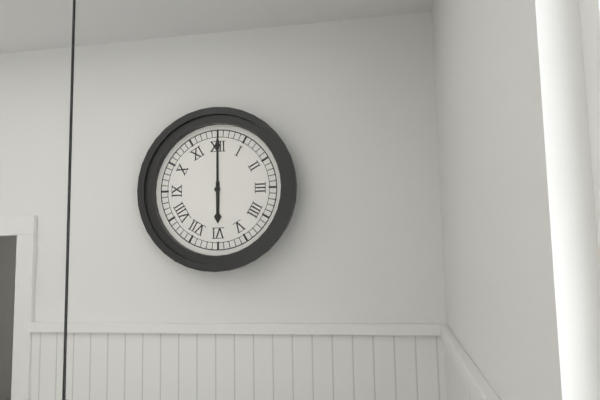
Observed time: **6:00**
